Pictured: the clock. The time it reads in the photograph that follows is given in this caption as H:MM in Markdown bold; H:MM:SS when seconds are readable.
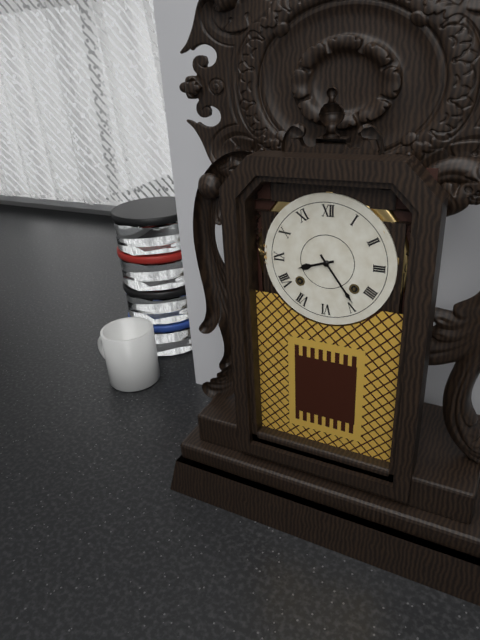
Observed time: **8:24**
